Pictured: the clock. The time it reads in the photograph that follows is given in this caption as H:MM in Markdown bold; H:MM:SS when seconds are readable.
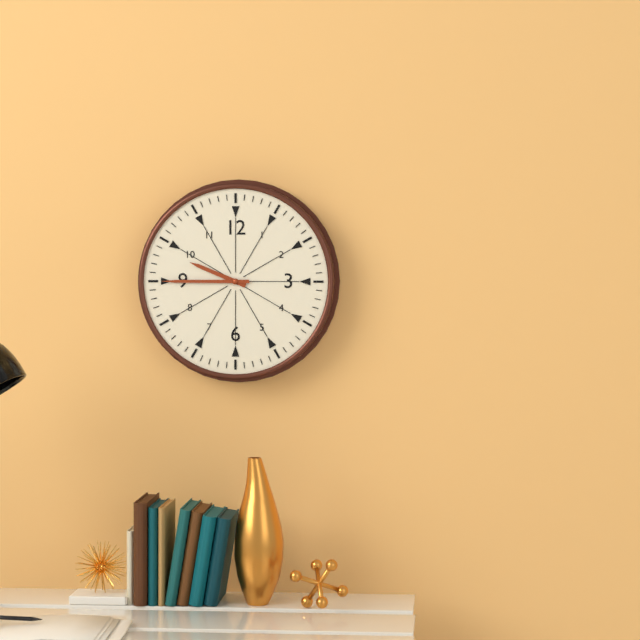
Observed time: **9:45**
